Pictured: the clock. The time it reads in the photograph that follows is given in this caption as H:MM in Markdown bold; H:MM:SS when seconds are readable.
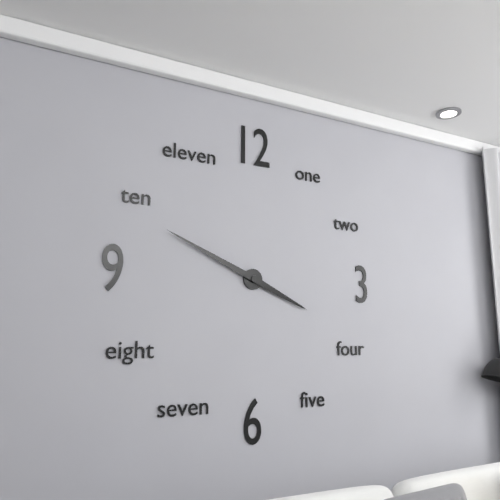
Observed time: **3:49**
